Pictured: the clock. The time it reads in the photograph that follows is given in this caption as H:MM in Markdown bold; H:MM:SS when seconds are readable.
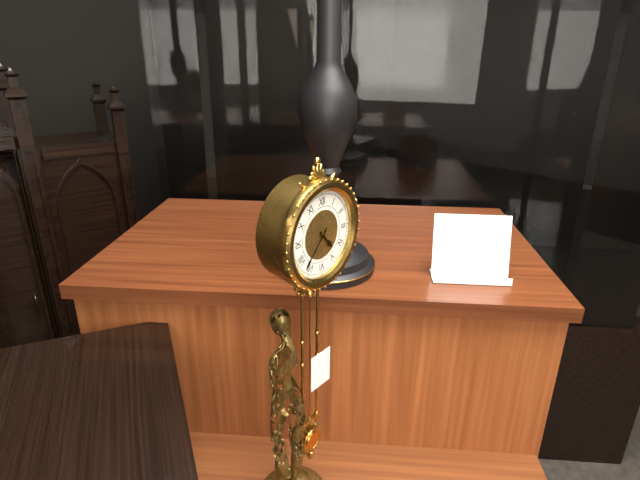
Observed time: **4:37**
